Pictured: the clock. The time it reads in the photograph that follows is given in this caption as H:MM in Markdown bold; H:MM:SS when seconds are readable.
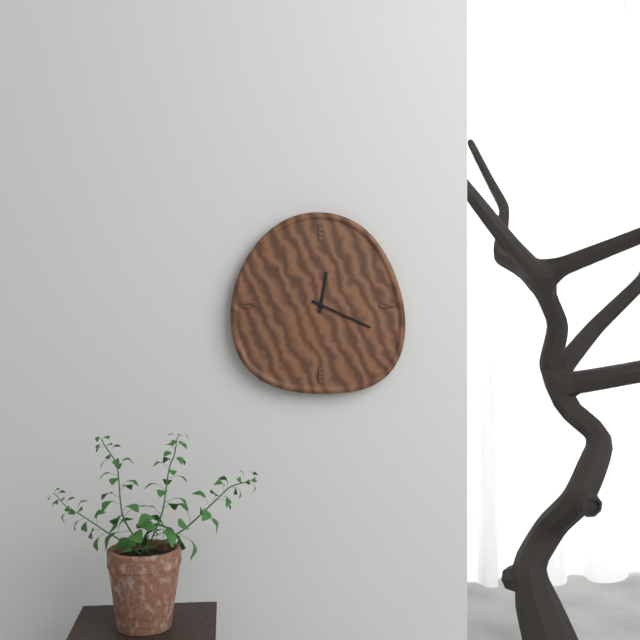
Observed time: **12:19**
